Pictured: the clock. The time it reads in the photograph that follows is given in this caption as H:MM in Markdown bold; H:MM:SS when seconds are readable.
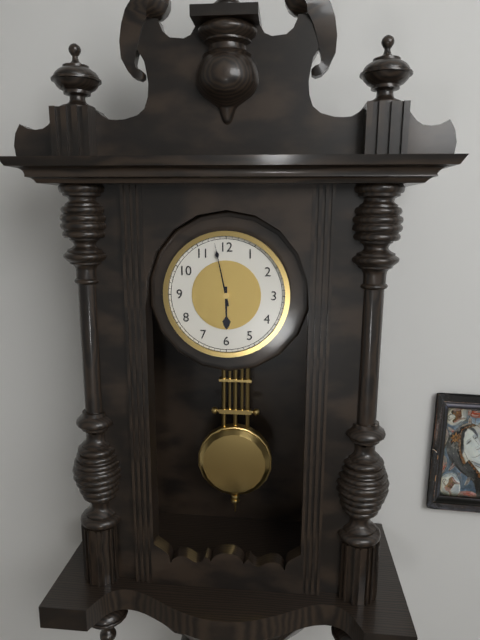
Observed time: **5:58**
